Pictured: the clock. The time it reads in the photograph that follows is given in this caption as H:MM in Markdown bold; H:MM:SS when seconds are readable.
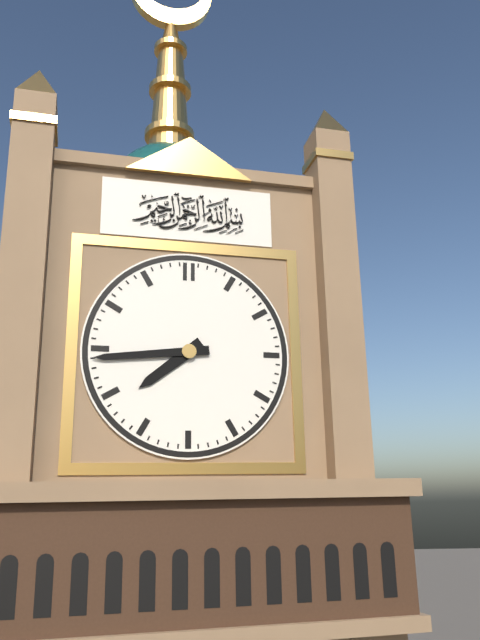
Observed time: **7:44**
